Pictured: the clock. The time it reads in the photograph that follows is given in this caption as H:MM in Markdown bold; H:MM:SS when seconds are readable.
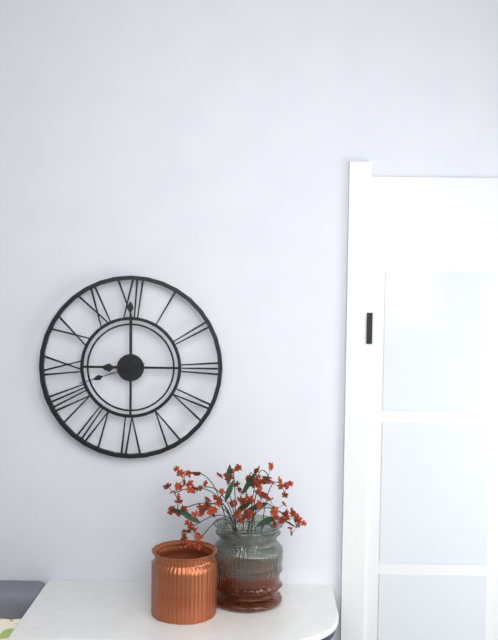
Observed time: **9:00:42**
